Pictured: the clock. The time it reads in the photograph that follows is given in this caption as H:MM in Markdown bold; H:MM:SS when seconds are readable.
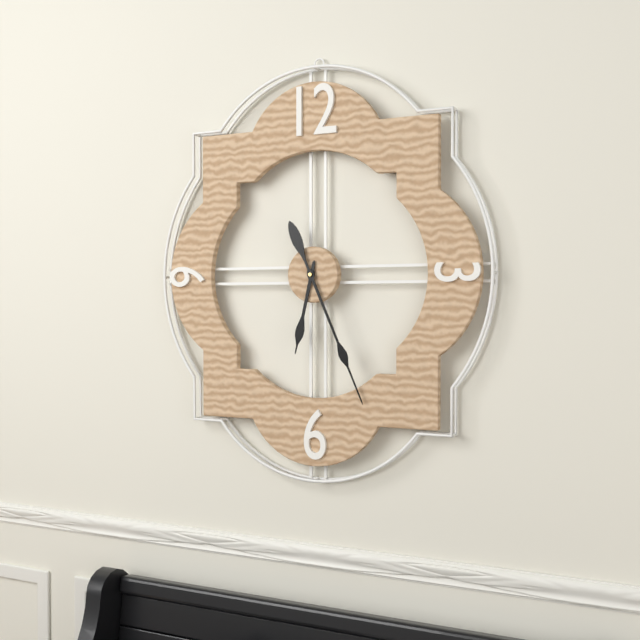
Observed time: **6:26**
